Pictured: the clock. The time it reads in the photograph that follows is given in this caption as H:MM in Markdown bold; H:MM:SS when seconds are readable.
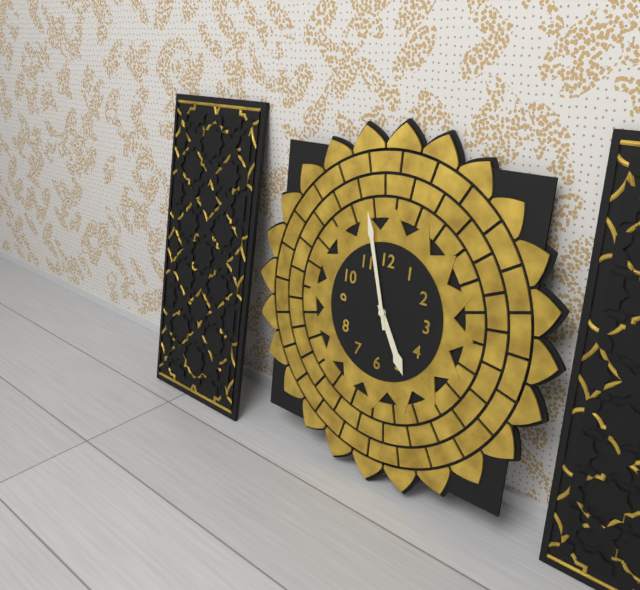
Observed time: **4:57**
